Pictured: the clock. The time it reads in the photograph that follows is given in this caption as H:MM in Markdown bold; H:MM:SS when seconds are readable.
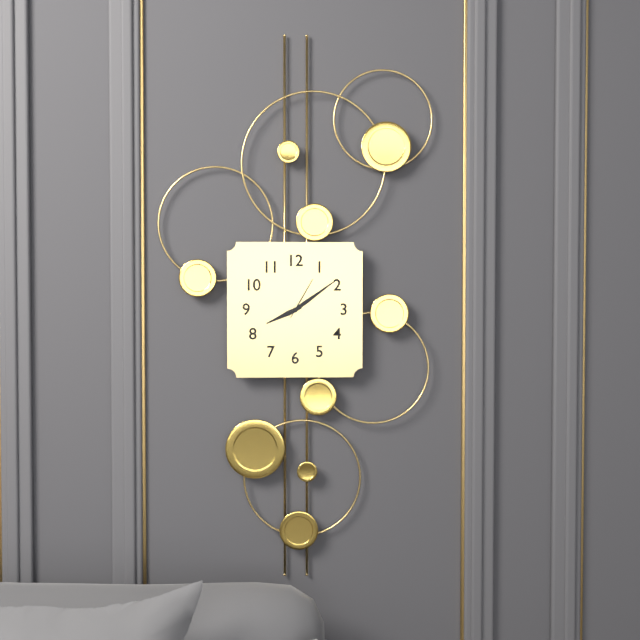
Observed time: **8:09**
